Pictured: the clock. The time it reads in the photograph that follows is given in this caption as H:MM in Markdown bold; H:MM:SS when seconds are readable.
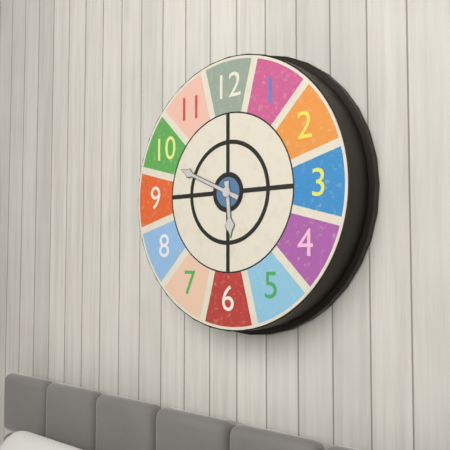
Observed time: **5:49**
